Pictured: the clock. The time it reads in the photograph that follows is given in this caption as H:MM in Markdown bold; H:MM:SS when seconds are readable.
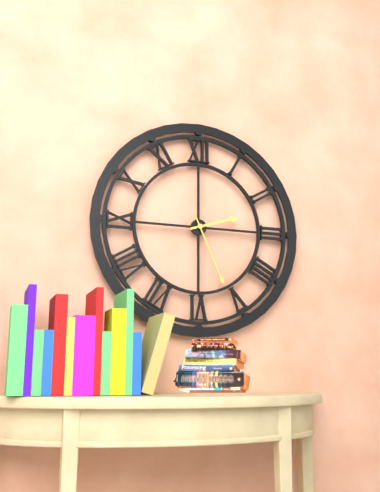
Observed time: **2:26**
